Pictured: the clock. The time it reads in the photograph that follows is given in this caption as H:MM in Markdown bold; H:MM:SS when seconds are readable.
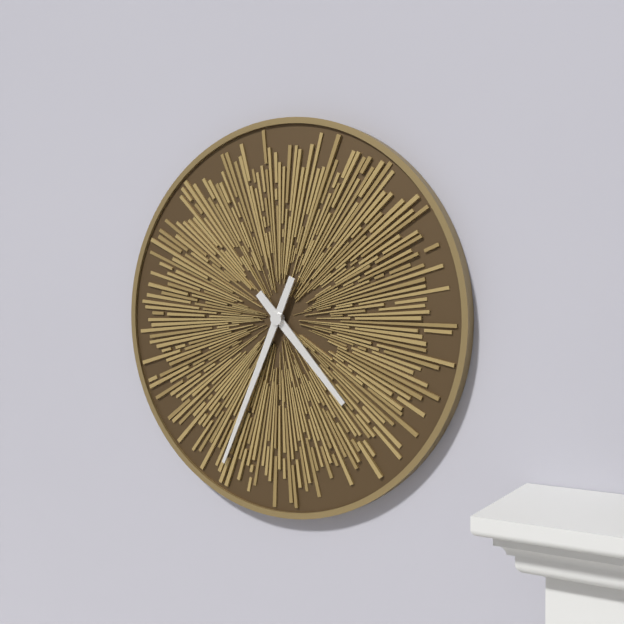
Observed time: **4:34**
